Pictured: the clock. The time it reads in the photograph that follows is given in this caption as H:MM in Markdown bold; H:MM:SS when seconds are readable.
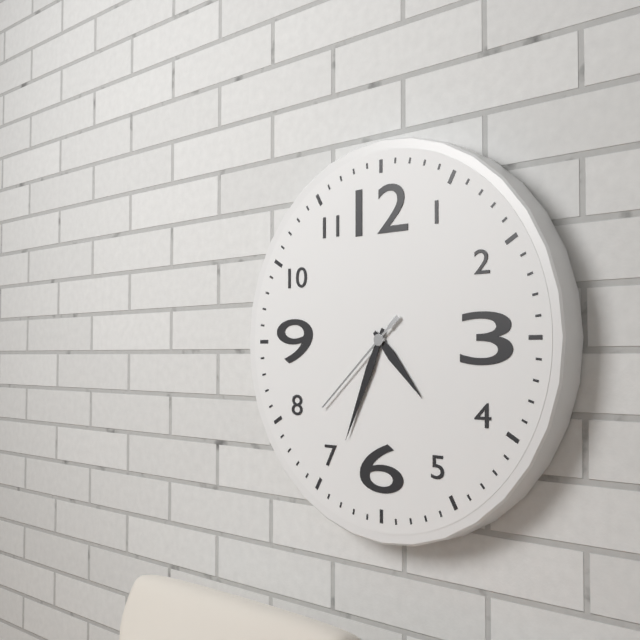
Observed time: **4:34:38**
